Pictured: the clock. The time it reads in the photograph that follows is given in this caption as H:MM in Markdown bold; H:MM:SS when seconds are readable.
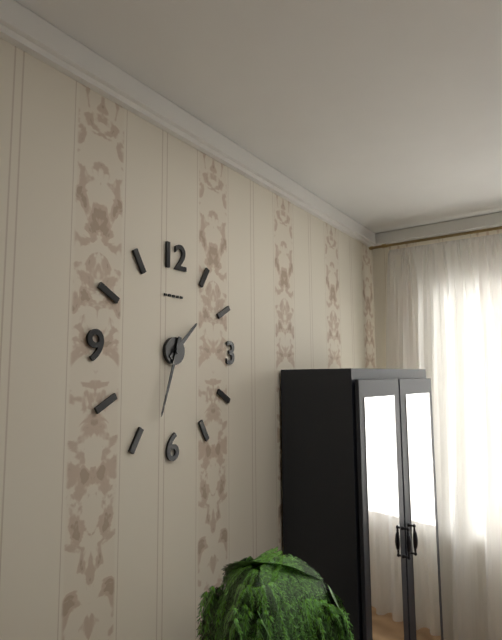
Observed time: **1:33**
